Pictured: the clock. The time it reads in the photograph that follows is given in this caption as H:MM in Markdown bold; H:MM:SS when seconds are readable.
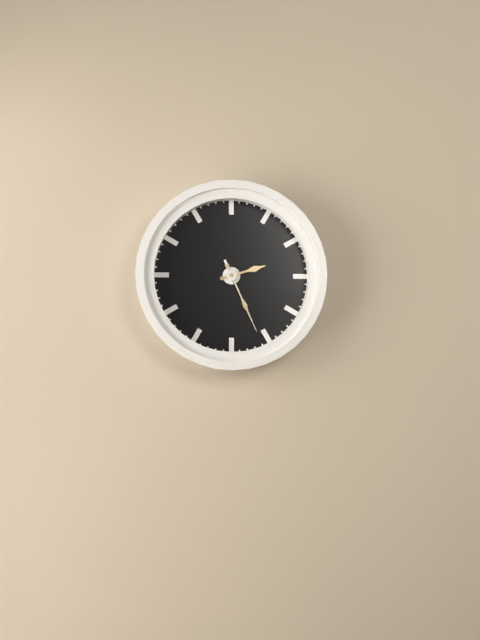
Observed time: **2:26:26**
